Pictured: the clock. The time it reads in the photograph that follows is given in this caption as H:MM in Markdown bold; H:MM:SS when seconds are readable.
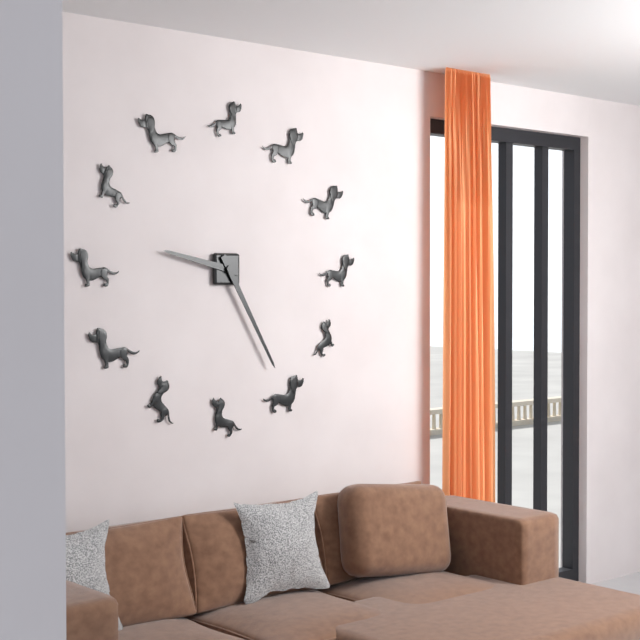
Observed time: **9:25**
